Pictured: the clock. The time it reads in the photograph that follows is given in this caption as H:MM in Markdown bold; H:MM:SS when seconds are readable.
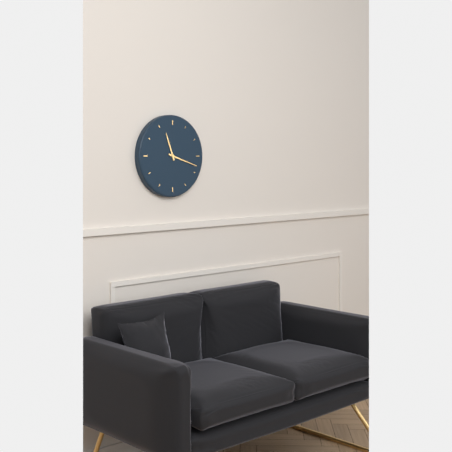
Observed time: **11:18**
